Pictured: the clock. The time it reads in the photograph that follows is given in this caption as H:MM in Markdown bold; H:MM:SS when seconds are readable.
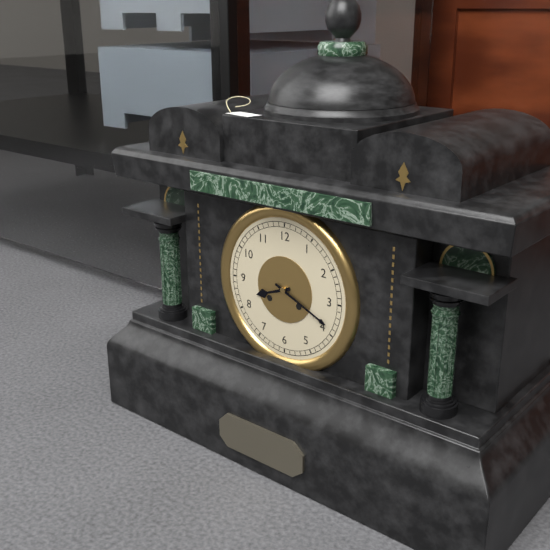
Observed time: **8:19**
